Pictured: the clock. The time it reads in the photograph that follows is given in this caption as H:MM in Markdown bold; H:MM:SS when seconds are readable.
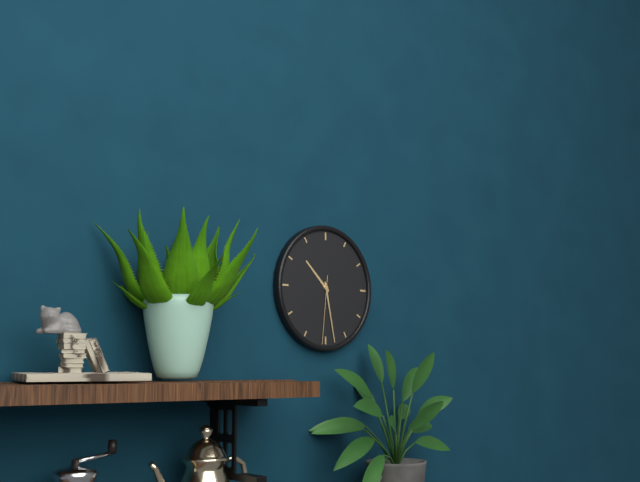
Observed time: **10:28:31**
